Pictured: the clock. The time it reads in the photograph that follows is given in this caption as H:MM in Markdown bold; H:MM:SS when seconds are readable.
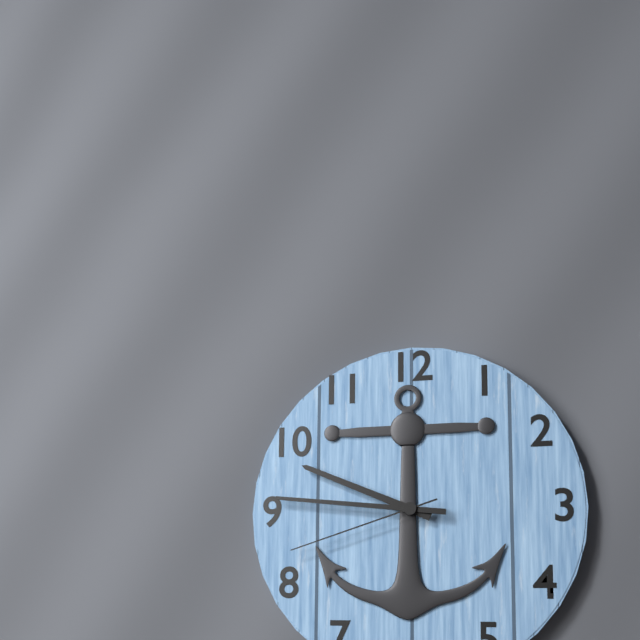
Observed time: **9:46:42**
